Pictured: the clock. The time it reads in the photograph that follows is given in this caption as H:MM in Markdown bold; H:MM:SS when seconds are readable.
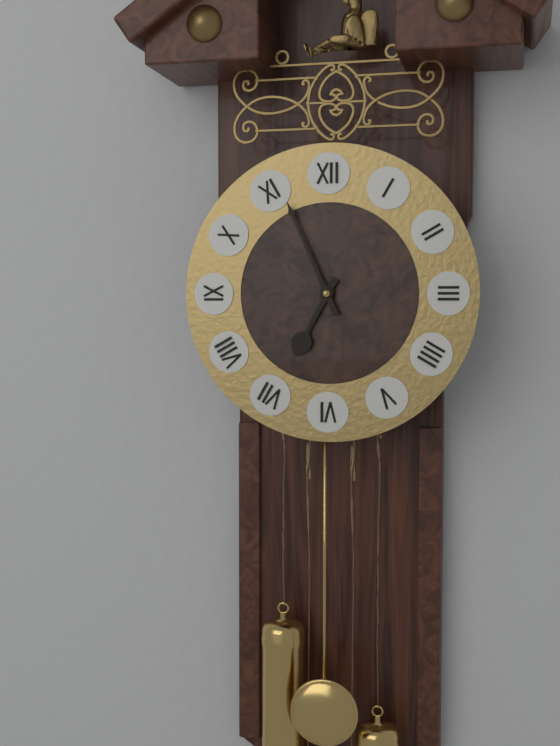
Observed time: **6:56**
